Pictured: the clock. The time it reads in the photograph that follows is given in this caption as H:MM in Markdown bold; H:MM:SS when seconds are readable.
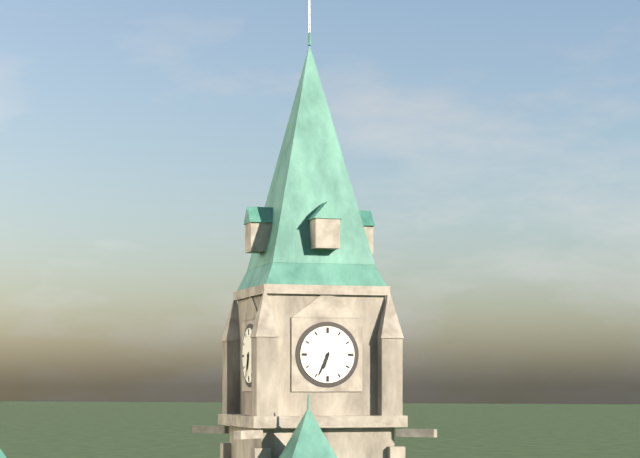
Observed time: **6:34**
